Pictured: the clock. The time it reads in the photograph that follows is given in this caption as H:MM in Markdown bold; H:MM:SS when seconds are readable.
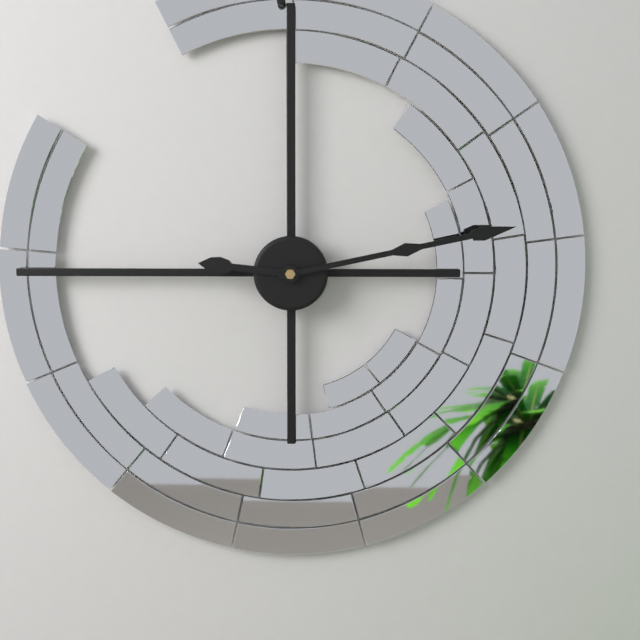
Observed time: **9:13**
